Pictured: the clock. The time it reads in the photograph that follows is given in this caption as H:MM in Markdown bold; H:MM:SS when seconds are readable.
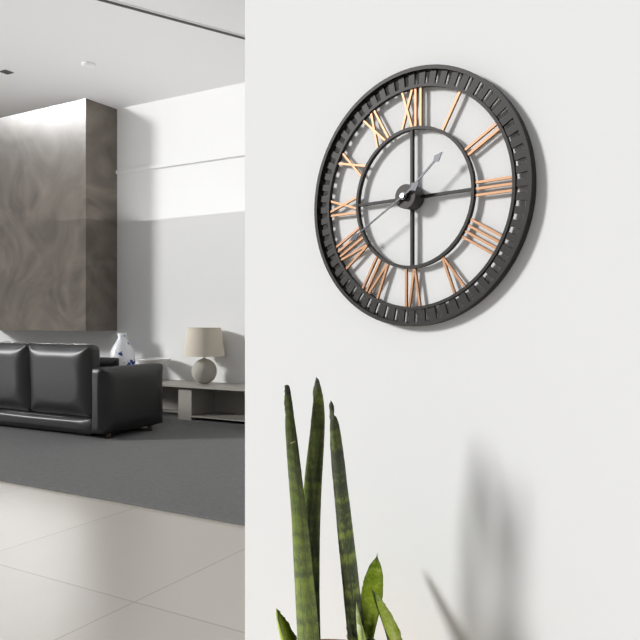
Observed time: **1:40**
